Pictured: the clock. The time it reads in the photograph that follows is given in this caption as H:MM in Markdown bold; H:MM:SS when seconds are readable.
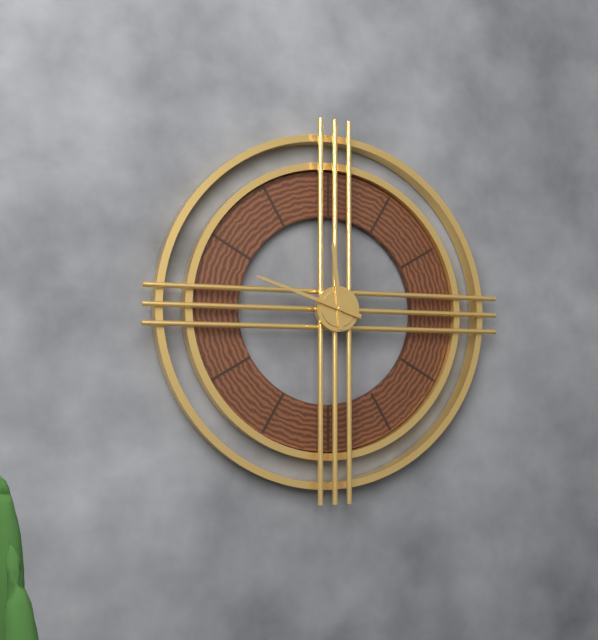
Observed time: **11:48**
